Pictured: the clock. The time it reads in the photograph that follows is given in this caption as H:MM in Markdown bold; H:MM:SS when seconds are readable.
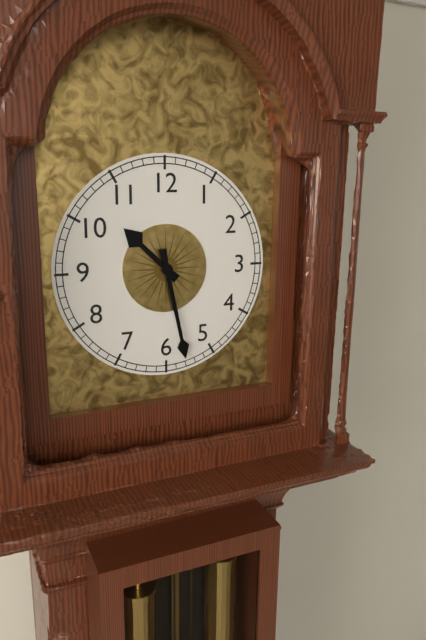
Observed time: **10:28**
